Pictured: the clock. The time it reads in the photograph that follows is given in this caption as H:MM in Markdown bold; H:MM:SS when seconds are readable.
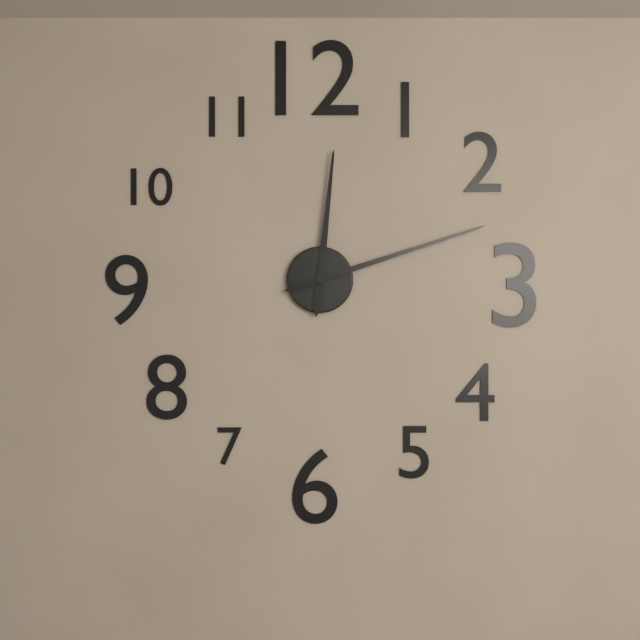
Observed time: **12:12**
